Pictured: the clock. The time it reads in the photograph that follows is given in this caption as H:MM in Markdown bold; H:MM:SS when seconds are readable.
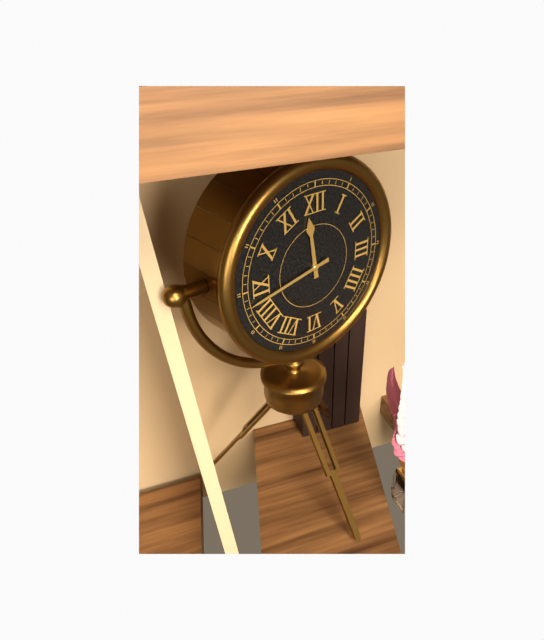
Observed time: **11:43**
